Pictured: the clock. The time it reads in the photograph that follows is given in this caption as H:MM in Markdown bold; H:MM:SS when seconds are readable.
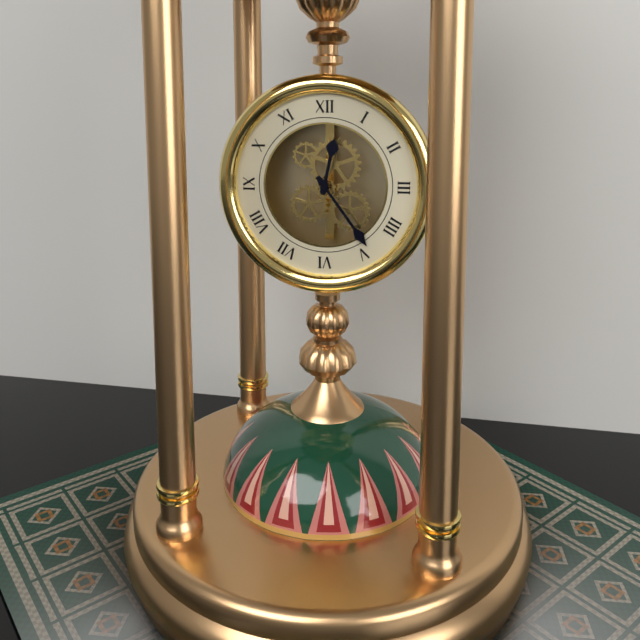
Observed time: **12:24**
